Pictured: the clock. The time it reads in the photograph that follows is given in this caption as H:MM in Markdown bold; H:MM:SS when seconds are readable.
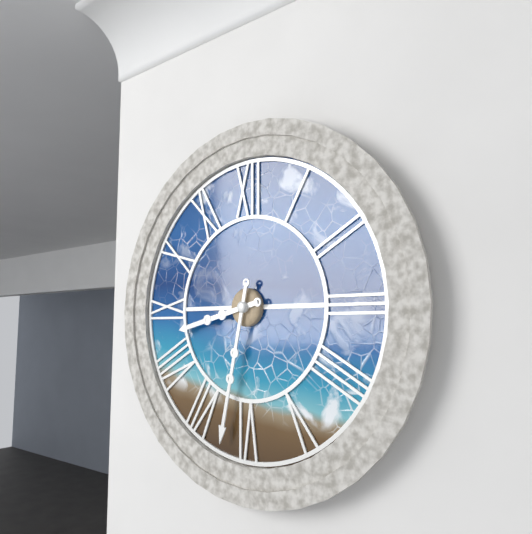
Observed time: **8:32**
